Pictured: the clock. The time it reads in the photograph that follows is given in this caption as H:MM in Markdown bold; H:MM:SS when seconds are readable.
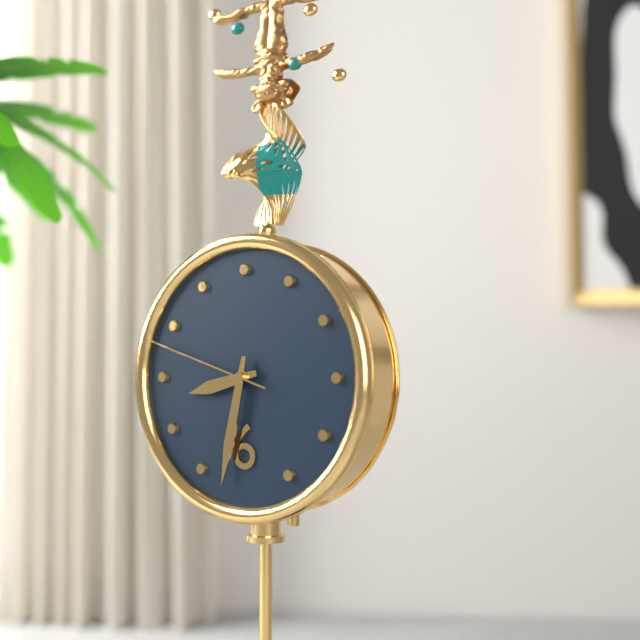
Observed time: **8:32:48**
